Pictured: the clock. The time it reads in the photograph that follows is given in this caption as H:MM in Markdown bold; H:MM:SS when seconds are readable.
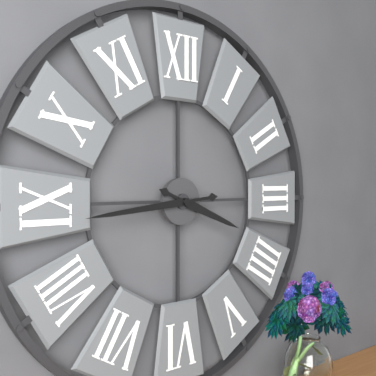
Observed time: **3:44**
